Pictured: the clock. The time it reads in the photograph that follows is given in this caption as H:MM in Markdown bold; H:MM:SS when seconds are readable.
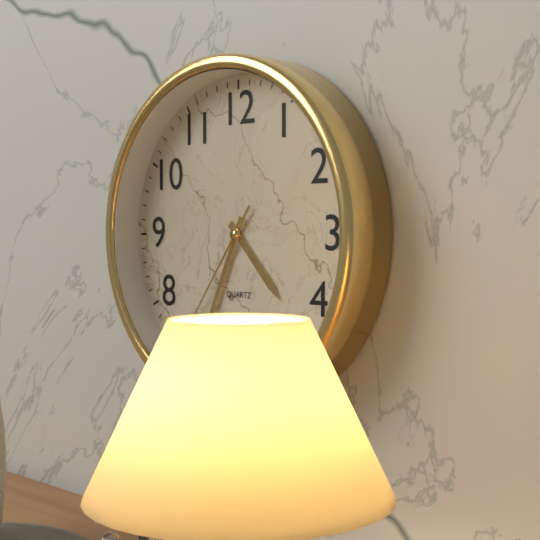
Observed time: **4:34:36**
